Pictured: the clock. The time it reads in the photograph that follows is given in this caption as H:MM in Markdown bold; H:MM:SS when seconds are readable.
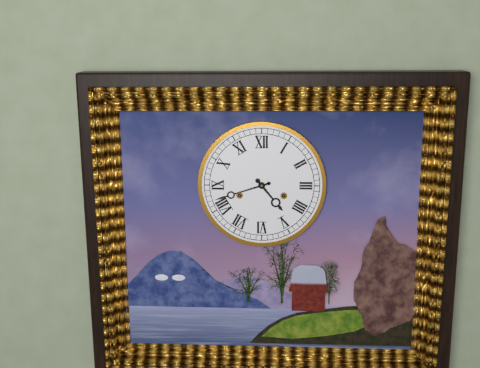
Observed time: **4:42**
